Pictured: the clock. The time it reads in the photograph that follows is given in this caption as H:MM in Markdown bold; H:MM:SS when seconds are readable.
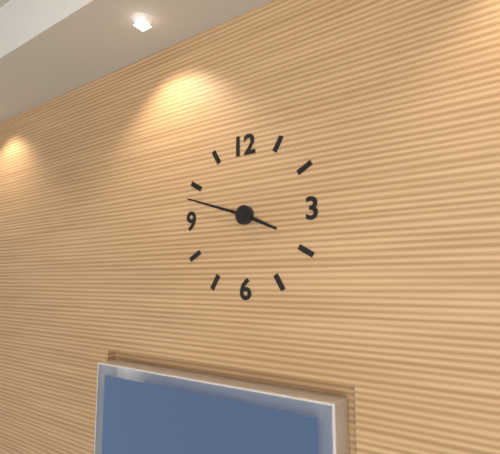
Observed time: **3:48**
